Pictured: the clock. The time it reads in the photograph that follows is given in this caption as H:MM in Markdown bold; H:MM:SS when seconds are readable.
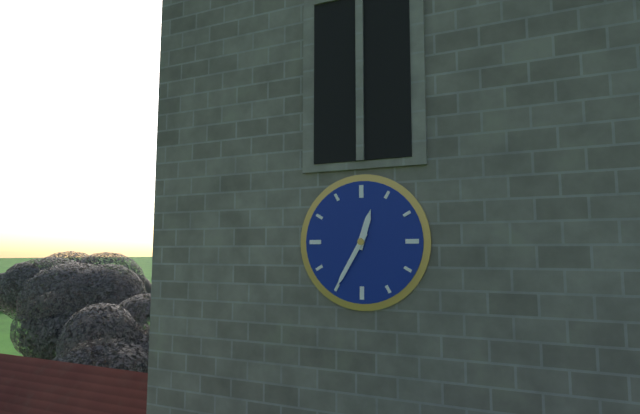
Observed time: **12:35**
